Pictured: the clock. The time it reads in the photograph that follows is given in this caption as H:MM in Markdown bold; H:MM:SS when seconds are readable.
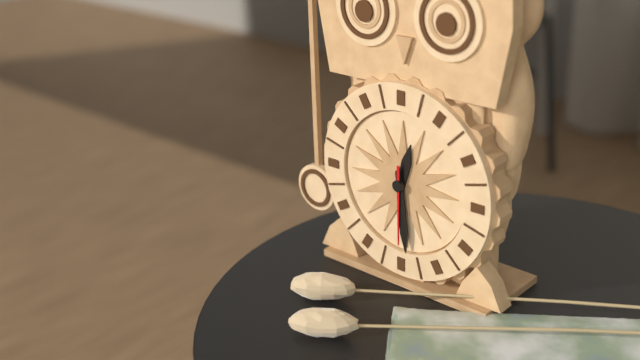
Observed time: **12:29:30**
